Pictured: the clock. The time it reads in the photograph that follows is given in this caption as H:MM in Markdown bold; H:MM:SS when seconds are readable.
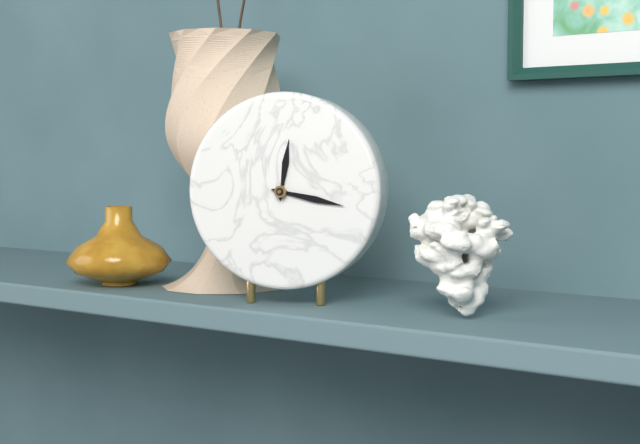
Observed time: **12:17**
